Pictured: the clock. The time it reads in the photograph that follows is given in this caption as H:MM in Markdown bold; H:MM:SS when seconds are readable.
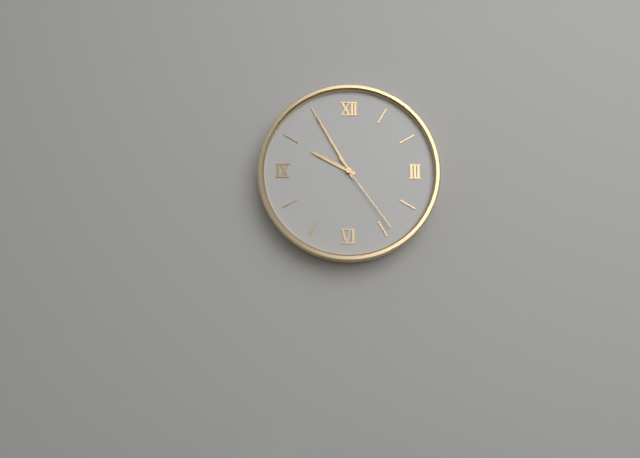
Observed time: **9:55:24**
